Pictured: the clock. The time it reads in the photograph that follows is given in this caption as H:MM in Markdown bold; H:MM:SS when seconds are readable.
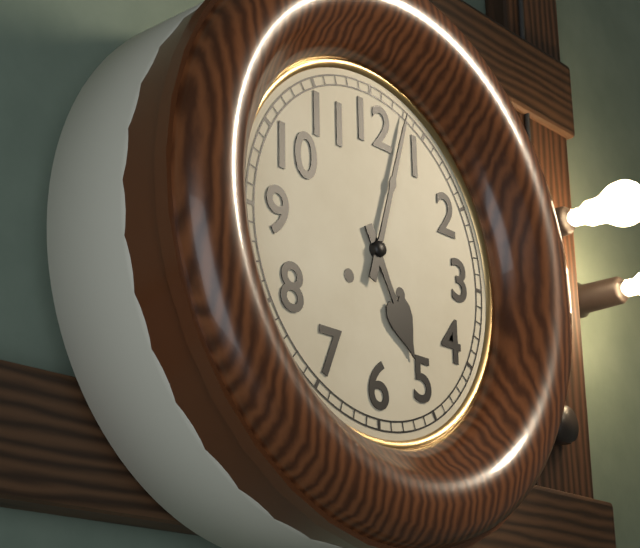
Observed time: **5:03**
